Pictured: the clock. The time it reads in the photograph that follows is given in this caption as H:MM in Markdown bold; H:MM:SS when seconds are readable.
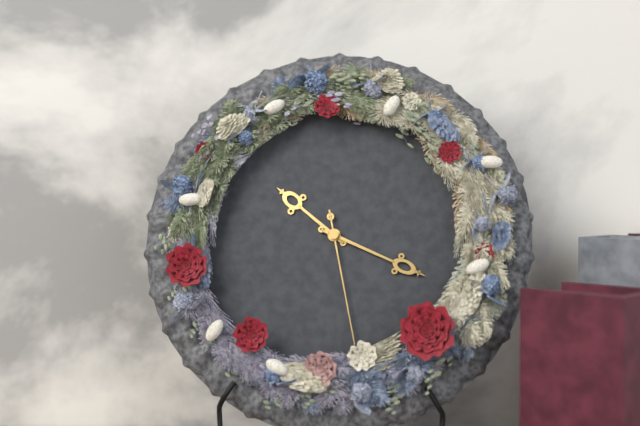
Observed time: **10:19:28**
